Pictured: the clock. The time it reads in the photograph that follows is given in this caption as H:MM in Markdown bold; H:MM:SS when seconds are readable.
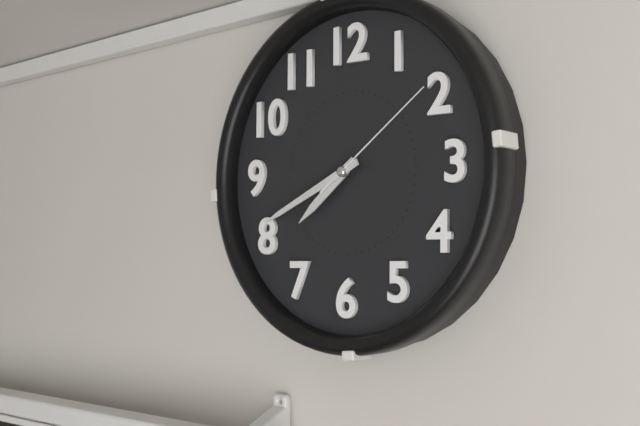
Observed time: **7:41:09**
